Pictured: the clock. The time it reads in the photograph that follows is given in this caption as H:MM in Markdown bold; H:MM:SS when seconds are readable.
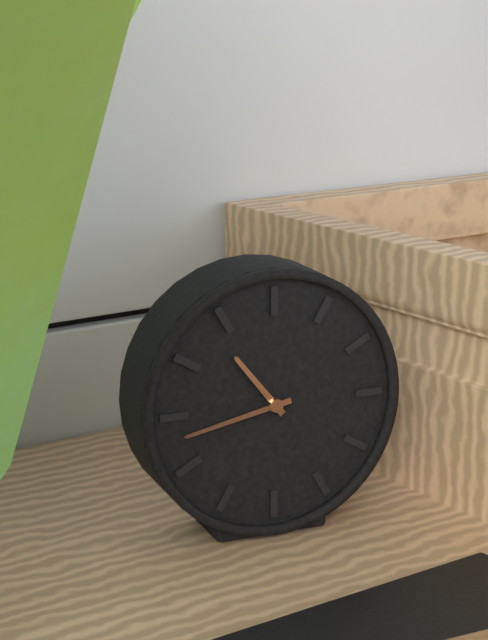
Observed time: **10:43**
